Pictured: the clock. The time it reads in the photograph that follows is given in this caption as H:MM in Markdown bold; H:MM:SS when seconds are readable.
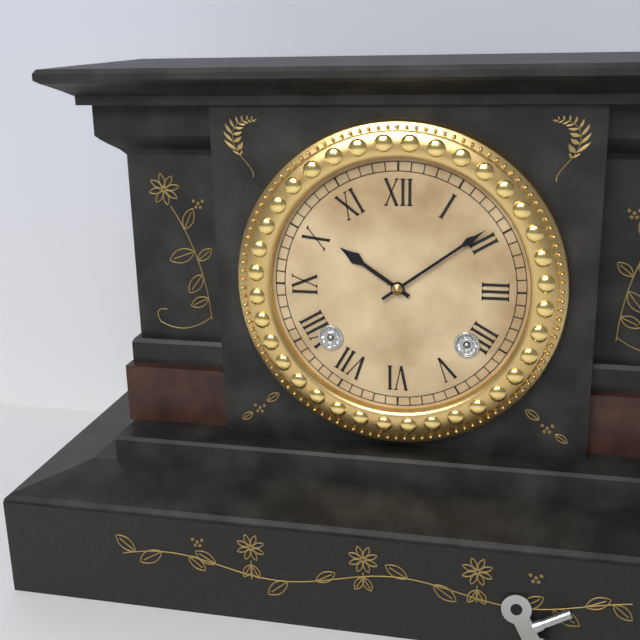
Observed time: **10:09**
